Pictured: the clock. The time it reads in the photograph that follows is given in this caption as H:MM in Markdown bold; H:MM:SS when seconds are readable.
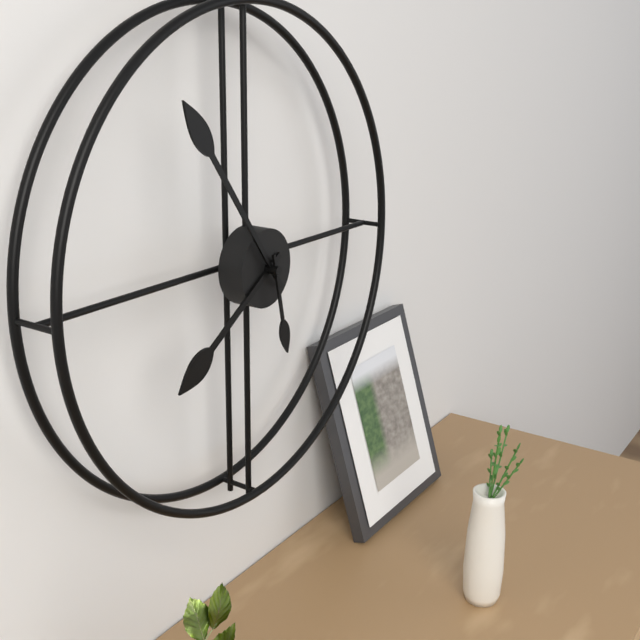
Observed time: **7:54:28**
